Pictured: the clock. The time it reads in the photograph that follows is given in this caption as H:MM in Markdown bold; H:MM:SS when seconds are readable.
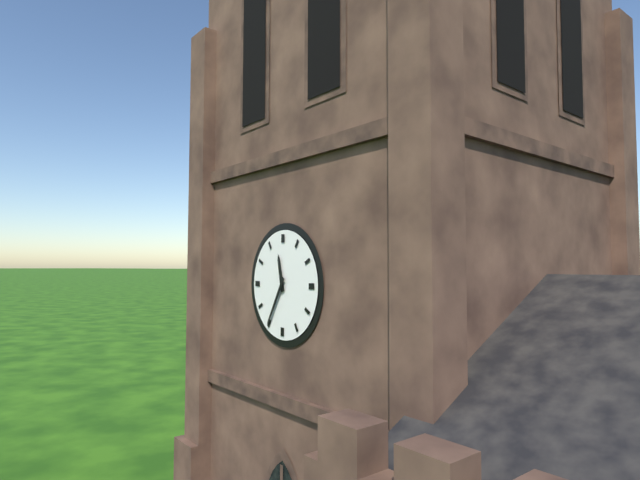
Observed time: **11:35**
